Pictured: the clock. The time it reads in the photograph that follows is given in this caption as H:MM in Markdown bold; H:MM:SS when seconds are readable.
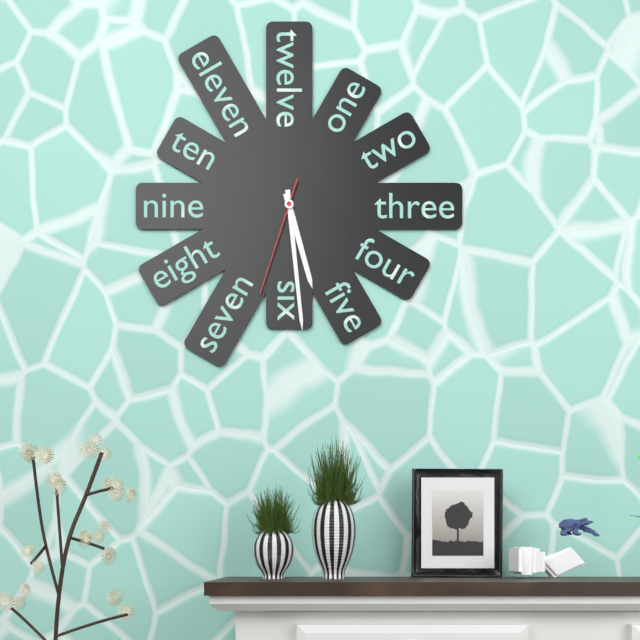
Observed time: **5:29:33**
